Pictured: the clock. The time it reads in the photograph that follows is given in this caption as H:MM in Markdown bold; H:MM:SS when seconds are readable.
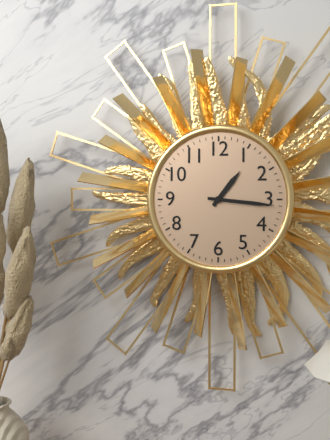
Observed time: **1:16**
